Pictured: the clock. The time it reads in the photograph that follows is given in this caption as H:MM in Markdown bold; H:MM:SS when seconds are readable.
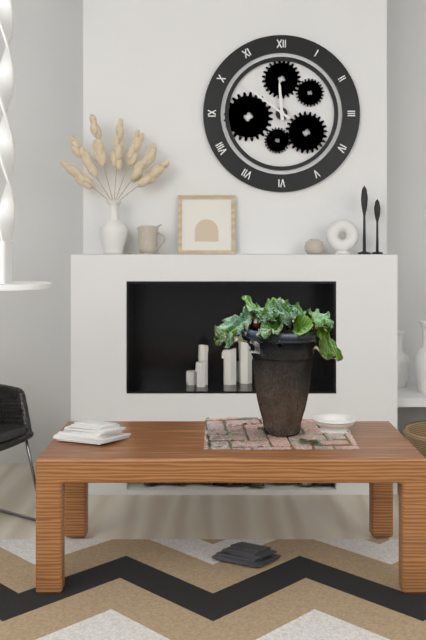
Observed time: **11:51**
